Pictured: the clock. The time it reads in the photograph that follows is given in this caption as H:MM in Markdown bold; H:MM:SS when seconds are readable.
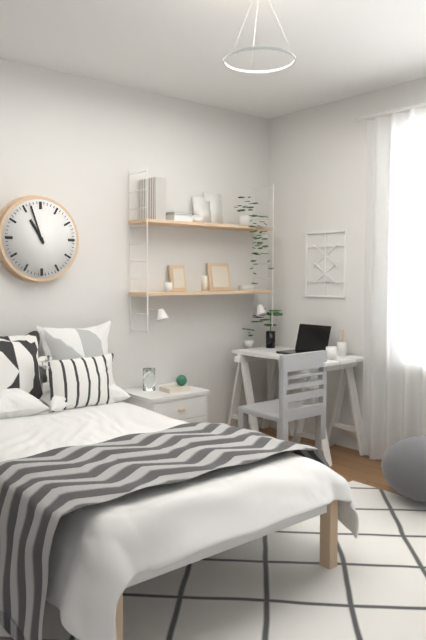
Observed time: **10:57**
